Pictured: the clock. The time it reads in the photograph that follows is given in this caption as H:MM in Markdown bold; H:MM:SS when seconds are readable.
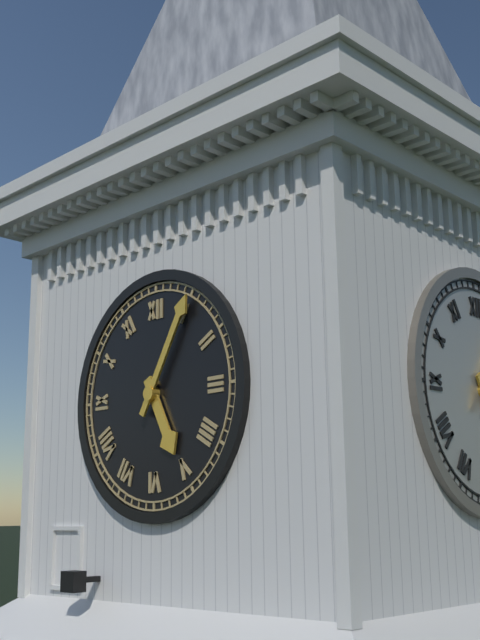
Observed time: **5:05**
